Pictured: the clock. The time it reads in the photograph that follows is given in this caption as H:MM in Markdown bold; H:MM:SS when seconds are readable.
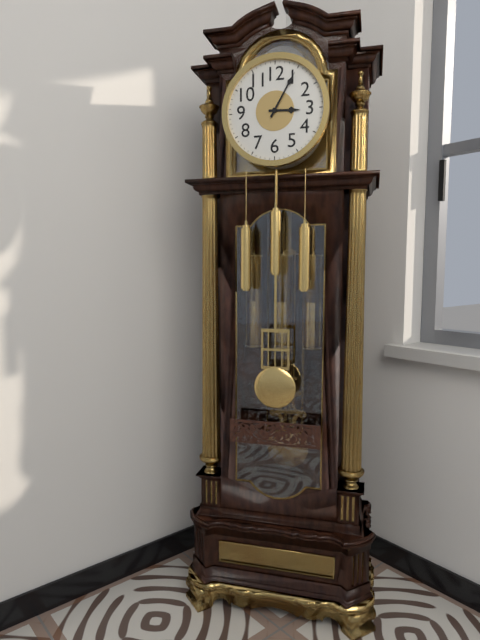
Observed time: **3:05**
